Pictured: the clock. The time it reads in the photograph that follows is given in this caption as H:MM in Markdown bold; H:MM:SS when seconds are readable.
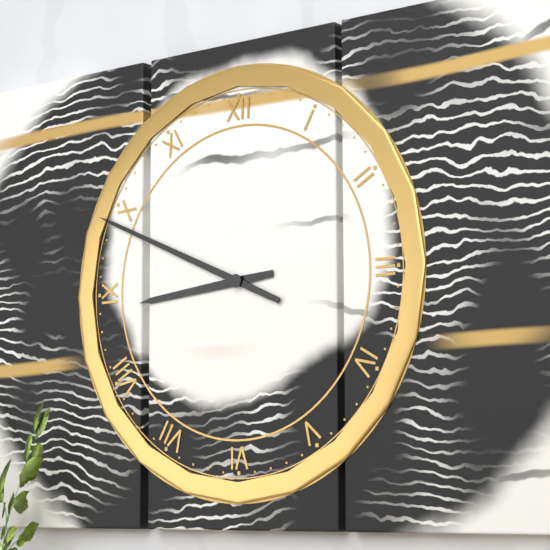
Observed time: **8:49**
